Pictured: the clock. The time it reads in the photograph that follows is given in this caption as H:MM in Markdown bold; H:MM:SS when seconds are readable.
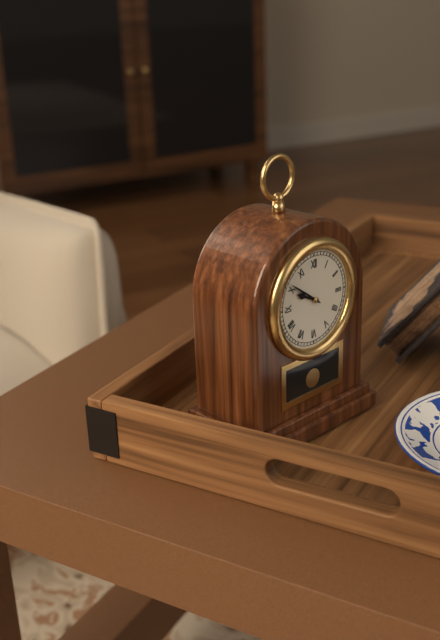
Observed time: **9:51**
